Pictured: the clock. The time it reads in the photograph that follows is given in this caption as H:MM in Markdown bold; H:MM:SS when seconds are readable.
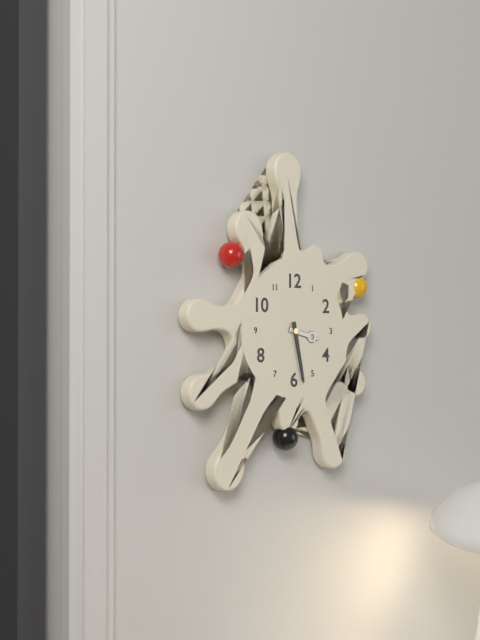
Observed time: **3:28**
